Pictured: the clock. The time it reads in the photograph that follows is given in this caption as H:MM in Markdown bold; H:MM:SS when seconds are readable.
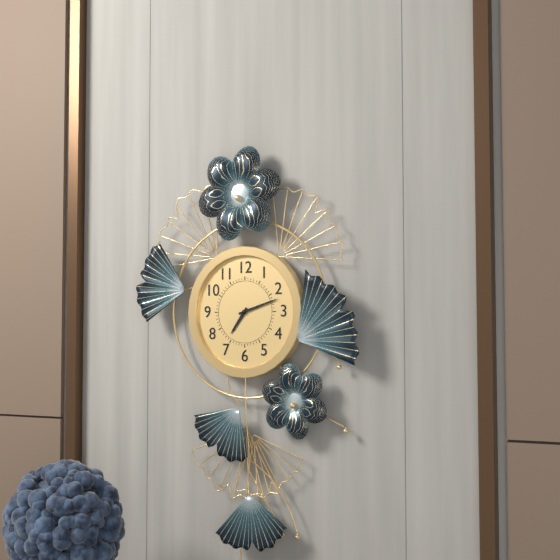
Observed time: **7:12**
